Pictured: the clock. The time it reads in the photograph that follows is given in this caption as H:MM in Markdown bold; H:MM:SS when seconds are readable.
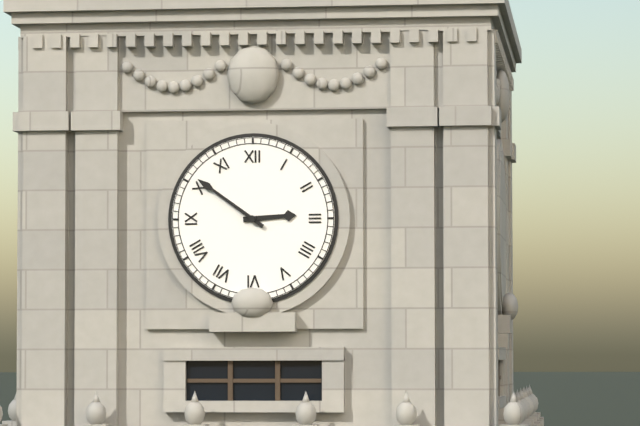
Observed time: **2:51**
